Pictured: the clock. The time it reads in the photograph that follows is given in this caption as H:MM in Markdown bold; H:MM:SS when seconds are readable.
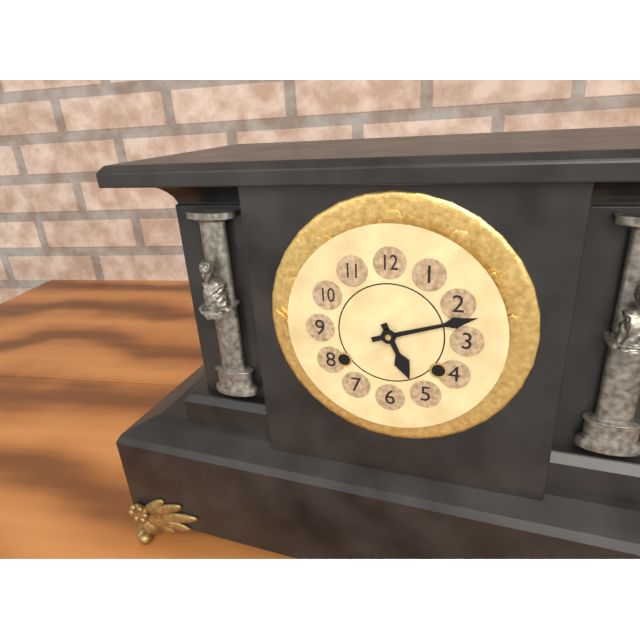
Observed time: **5:12**
